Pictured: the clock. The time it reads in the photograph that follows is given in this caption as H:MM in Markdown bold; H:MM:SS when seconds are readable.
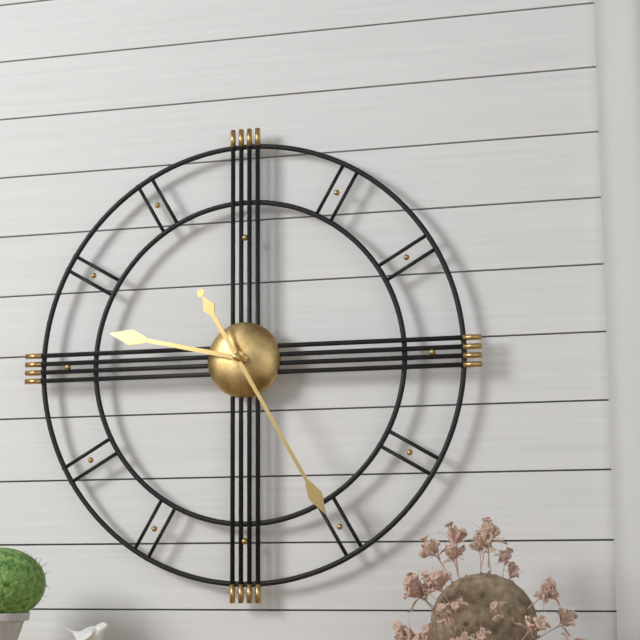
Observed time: **9:25**
